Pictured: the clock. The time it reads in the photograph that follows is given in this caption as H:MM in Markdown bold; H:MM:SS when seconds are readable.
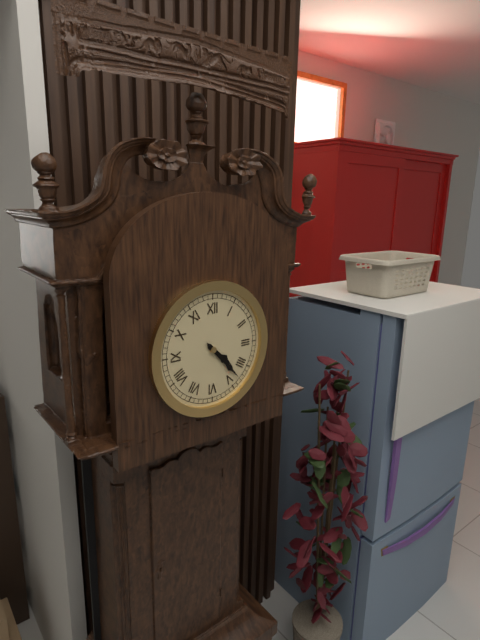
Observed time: **4:23**
